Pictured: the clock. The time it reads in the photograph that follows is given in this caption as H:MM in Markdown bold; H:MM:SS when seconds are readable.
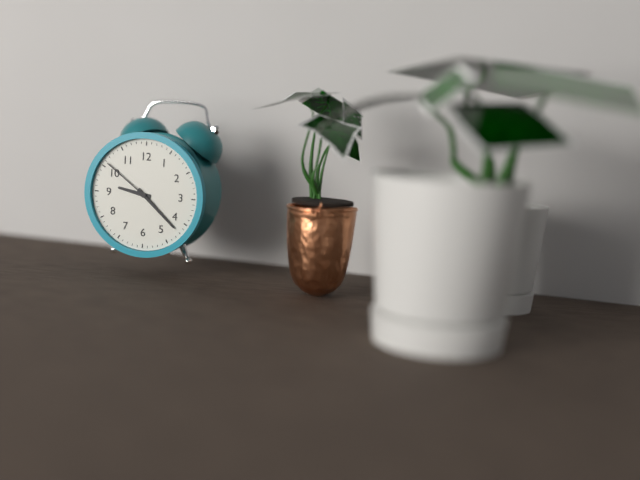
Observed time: **9:22:51**
